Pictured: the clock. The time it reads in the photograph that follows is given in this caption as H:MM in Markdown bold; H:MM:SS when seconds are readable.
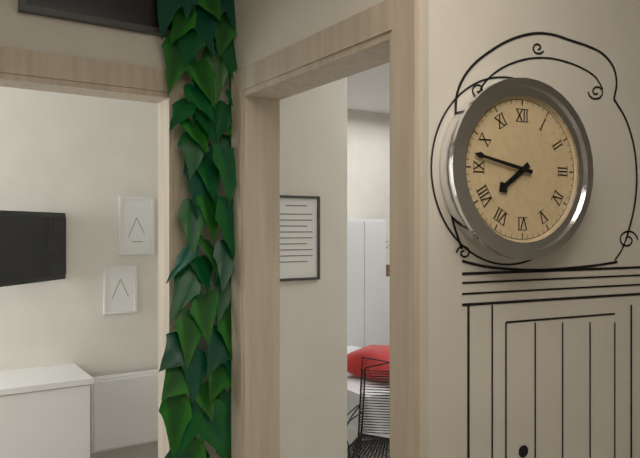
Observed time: **7:47**
